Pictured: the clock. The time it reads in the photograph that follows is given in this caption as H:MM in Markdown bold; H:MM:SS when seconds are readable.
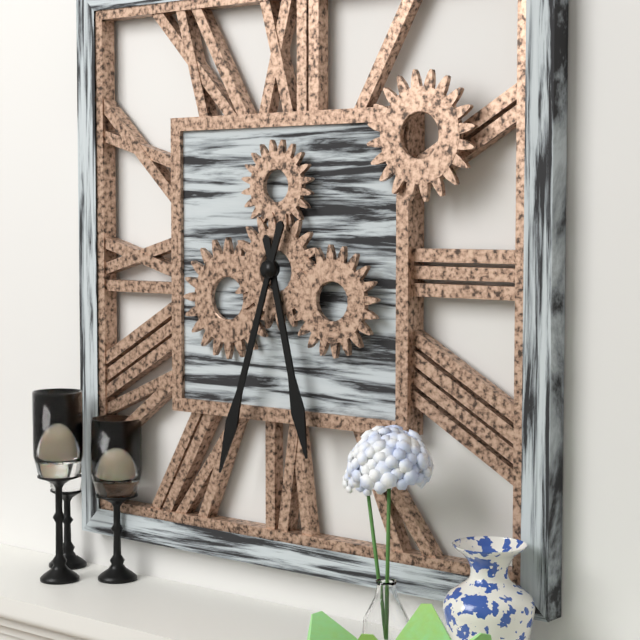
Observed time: **5:33**
